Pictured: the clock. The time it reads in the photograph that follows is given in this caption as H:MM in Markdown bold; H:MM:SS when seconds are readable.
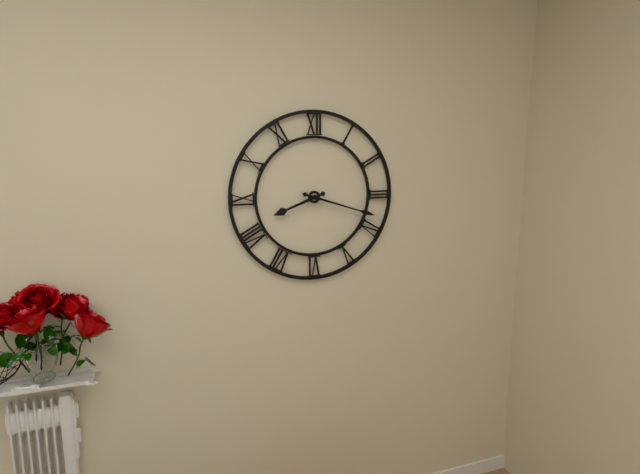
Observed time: **8:18**
